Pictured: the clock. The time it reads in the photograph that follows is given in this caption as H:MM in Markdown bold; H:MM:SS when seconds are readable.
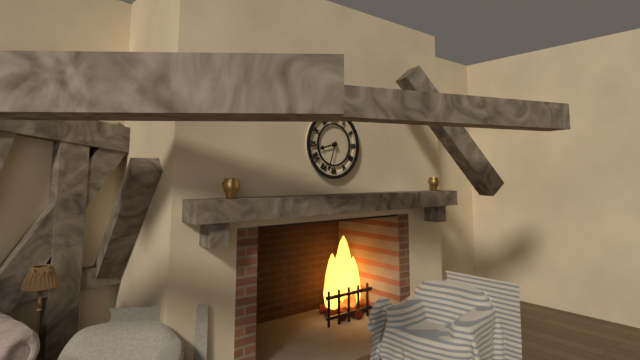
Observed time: **8:33**
